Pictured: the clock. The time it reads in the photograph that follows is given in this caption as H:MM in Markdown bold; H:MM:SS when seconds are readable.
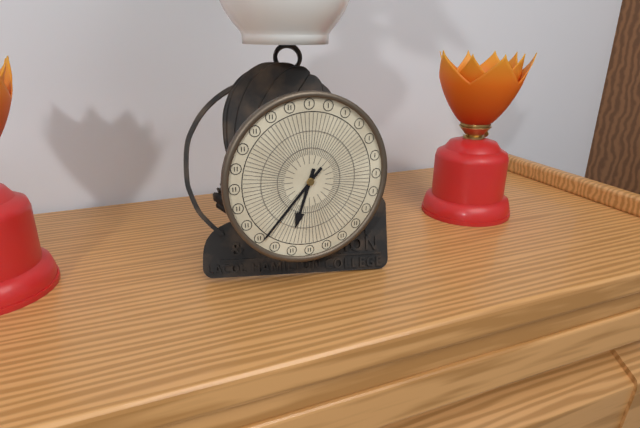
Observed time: **6:37**
